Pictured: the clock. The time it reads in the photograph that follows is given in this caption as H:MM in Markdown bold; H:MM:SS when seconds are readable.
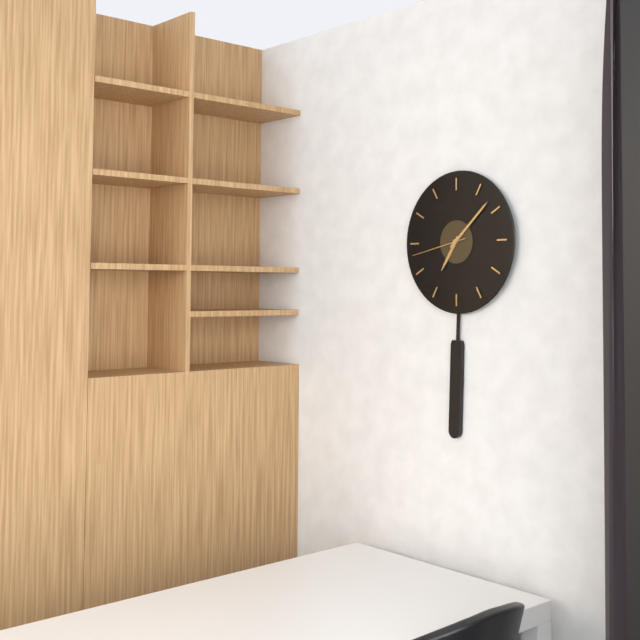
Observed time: **7:08:43**
